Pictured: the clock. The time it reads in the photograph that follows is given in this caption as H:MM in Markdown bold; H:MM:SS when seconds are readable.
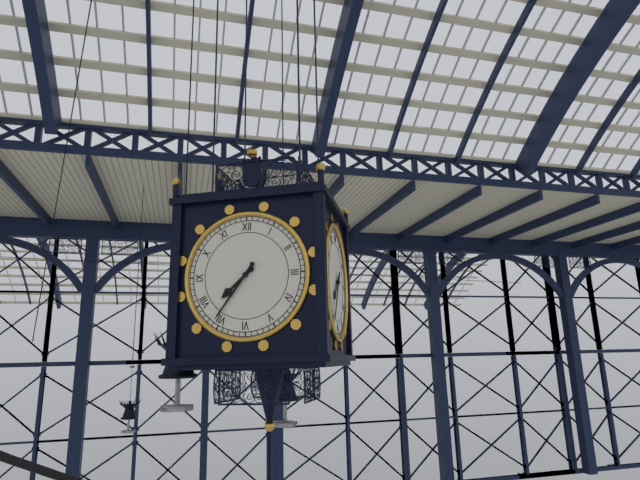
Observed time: **7:36**
